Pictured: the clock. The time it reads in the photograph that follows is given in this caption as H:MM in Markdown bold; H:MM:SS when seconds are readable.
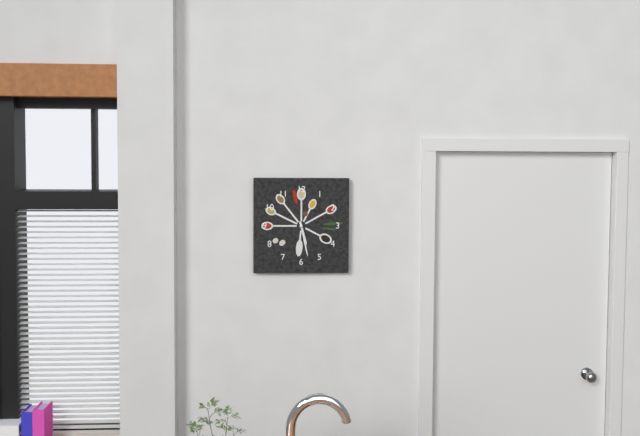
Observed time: **5:28**
